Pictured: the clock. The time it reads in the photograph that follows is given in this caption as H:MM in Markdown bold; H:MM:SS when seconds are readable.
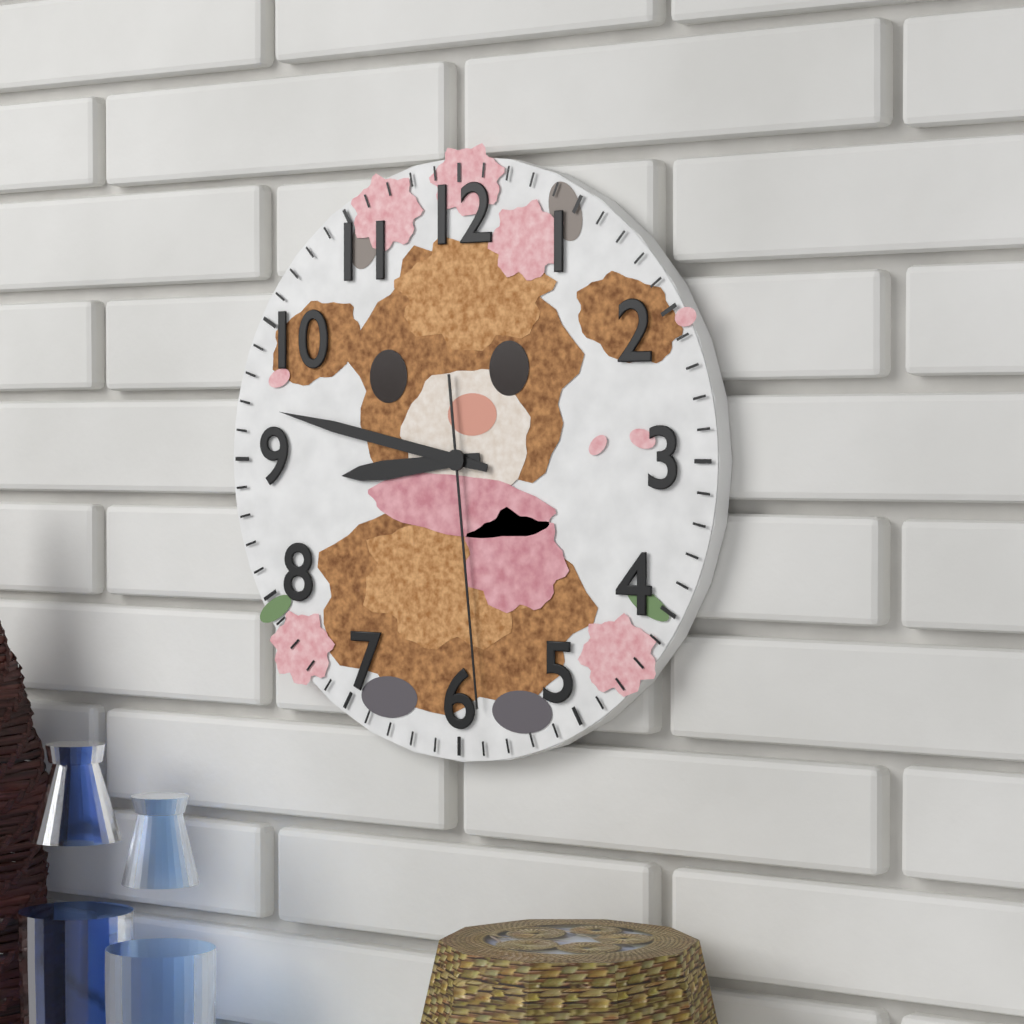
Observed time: **8:47:29**
